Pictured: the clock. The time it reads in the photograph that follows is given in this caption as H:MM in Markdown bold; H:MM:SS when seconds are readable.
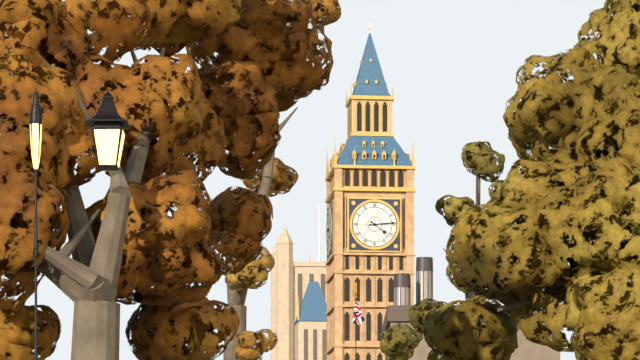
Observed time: **4:14**
